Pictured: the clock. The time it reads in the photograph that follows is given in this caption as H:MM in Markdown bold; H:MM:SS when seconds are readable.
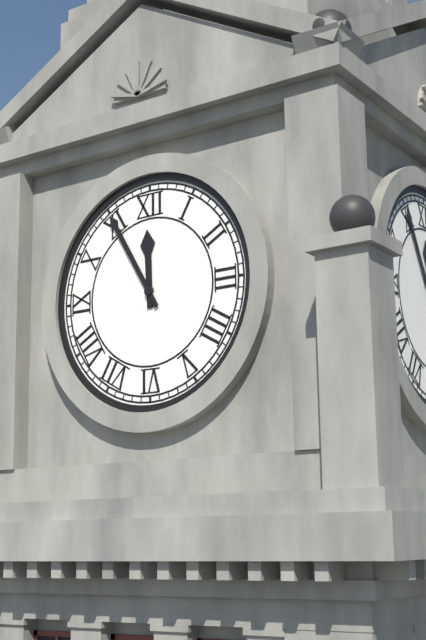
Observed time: **11:55**
